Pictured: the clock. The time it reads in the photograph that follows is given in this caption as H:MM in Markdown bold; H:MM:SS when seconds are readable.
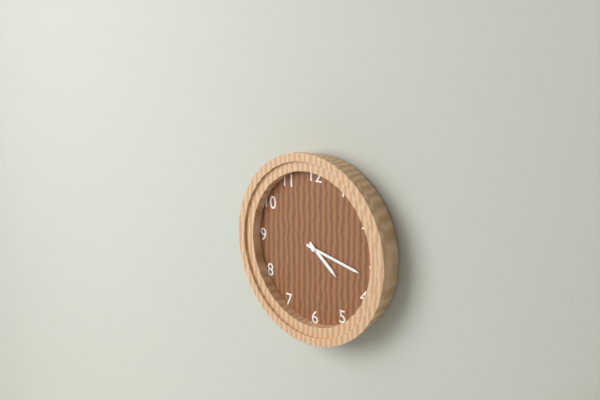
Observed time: **4:17**
